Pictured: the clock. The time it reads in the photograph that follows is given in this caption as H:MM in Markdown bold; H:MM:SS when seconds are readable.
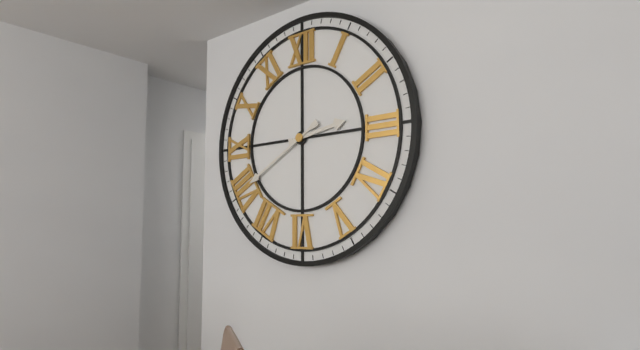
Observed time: **2:40**
